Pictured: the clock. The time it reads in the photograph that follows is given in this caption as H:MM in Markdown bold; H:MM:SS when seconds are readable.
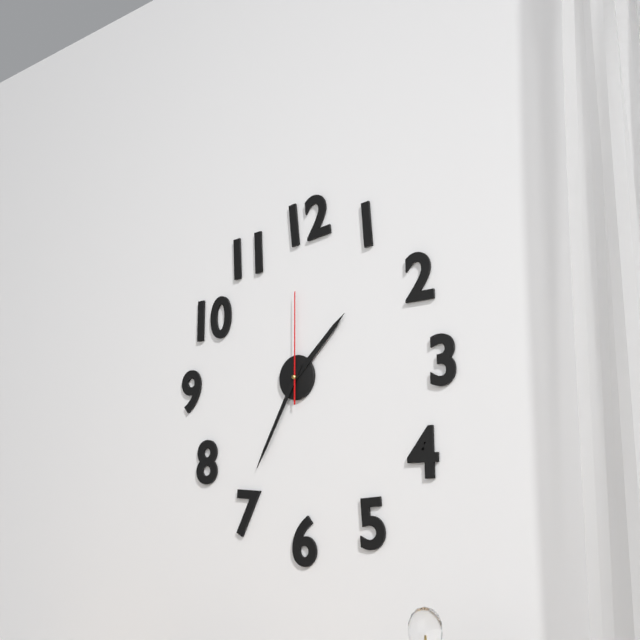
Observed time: **1:35:00**
